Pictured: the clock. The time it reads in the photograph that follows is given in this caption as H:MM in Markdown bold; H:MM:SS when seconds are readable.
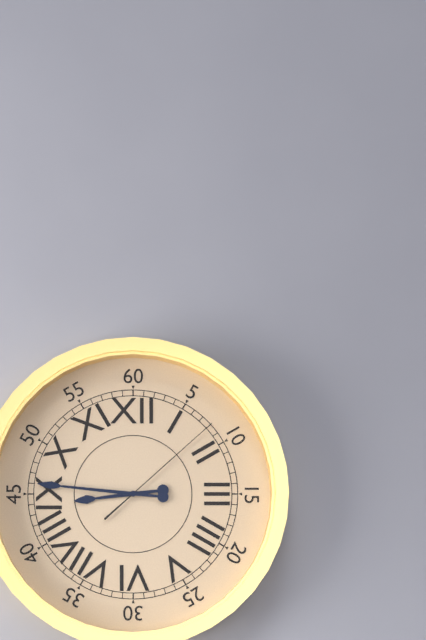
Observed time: **8:46:08**
